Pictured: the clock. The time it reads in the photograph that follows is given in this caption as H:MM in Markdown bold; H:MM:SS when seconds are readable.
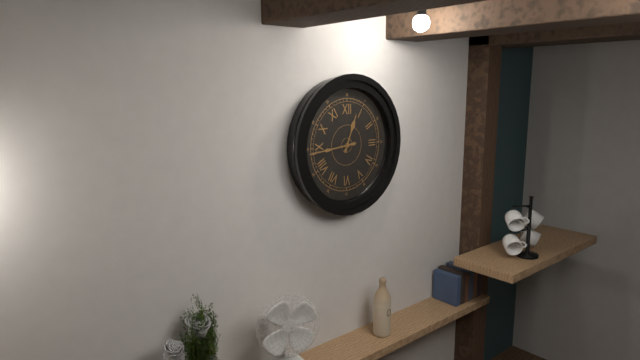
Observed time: **12:44**
